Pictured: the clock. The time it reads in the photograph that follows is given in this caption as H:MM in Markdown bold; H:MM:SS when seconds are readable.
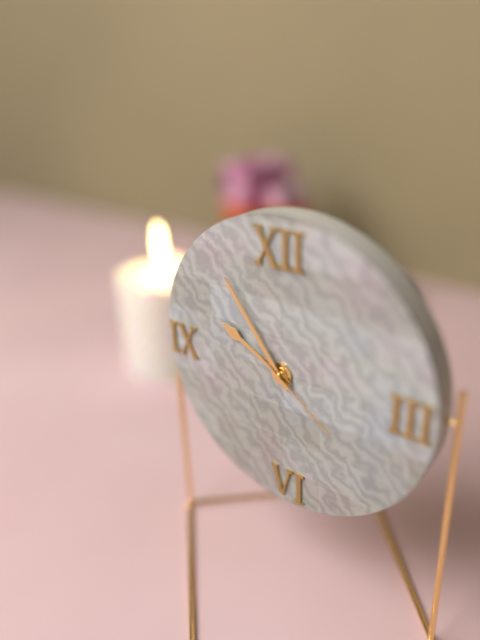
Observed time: **9:54:21**
